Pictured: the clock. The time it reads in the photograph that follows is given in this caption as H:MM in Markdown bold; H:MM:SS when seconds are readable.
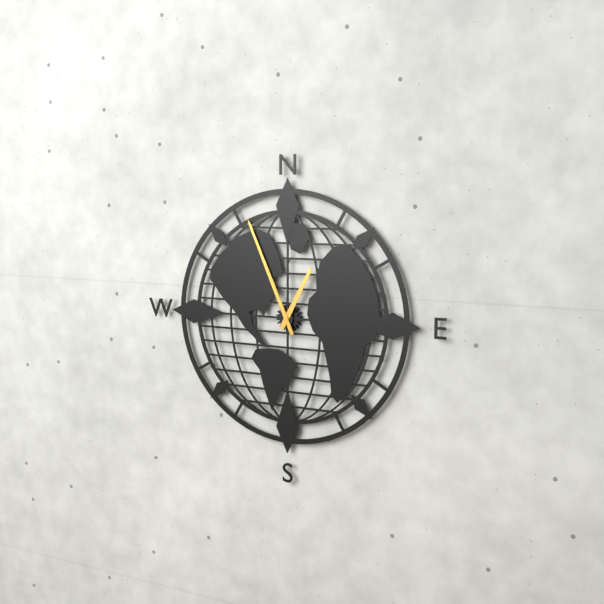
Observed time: **12:56**
